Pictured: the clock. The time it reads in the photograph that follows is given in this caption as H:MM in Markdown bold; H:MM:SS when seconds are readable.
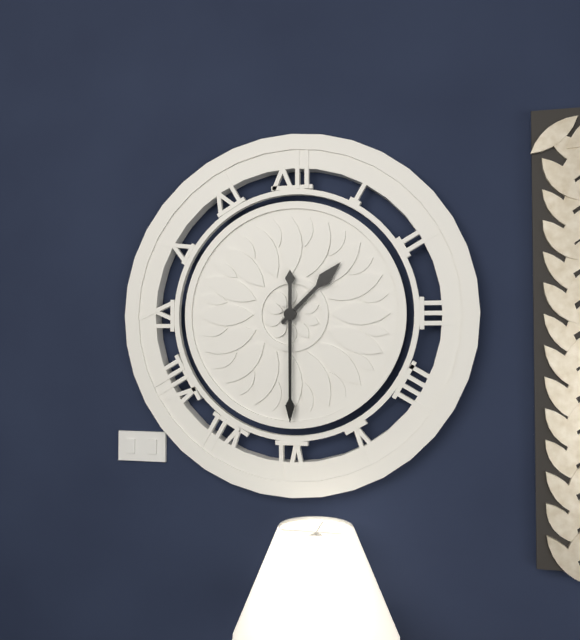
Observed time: **1:30**
